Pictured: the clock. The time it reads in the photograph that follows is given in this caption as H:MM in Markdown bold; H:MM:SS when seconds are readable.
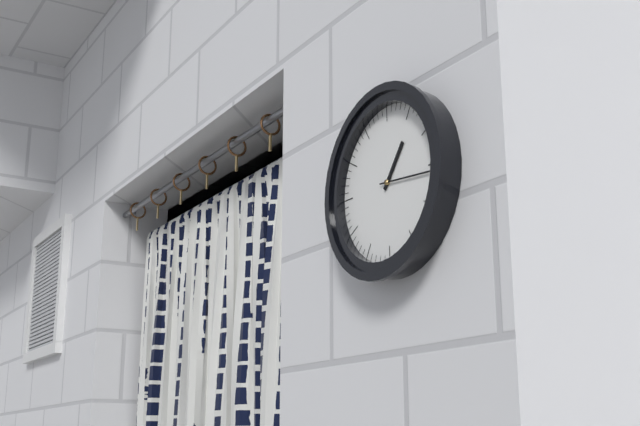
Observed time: **1:16**
